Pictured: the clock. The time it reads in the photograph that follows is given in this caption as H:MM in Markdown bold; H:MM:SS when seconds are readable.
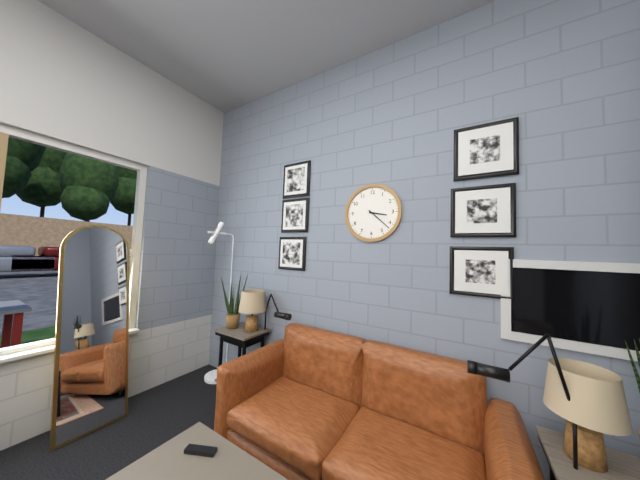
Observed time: **3:22**
